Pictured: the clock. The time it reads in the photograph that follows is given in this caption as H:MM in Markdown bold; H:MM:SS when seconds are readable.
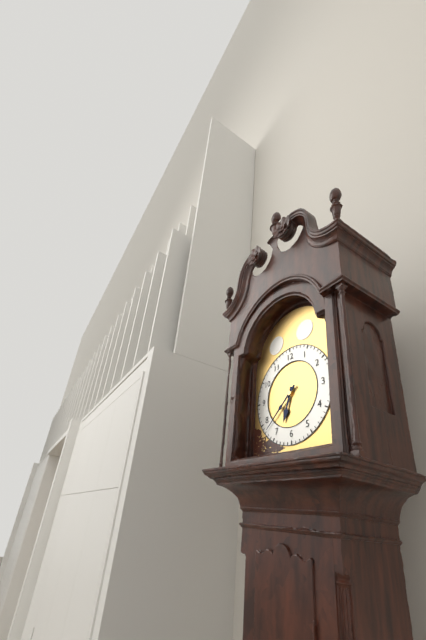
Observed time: **6:38**
